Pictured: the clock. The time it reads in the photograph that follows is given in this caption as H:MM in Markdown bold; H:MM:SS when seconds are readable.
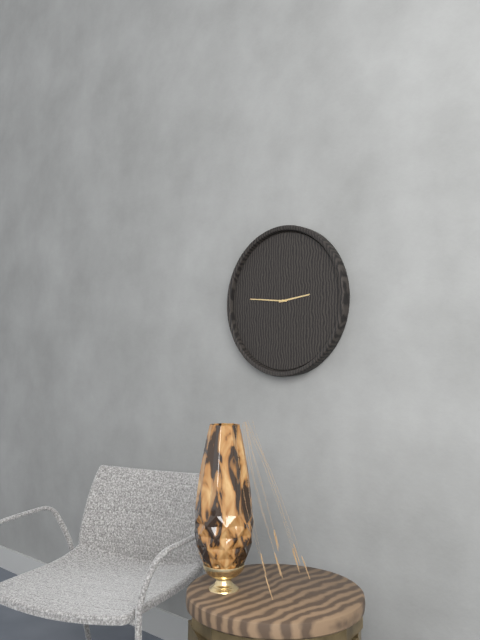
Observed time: **2:46**
